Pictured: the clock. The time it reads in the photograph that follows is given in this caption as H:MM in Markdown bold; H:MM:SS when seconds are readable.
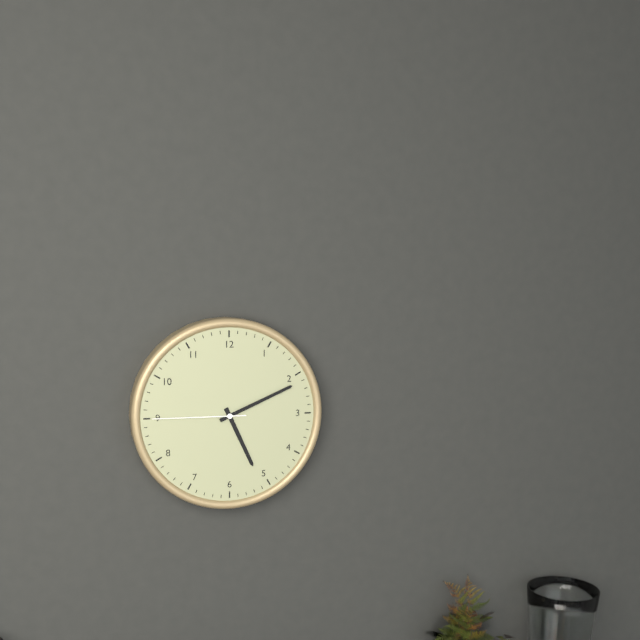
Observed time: **5:11:45**
